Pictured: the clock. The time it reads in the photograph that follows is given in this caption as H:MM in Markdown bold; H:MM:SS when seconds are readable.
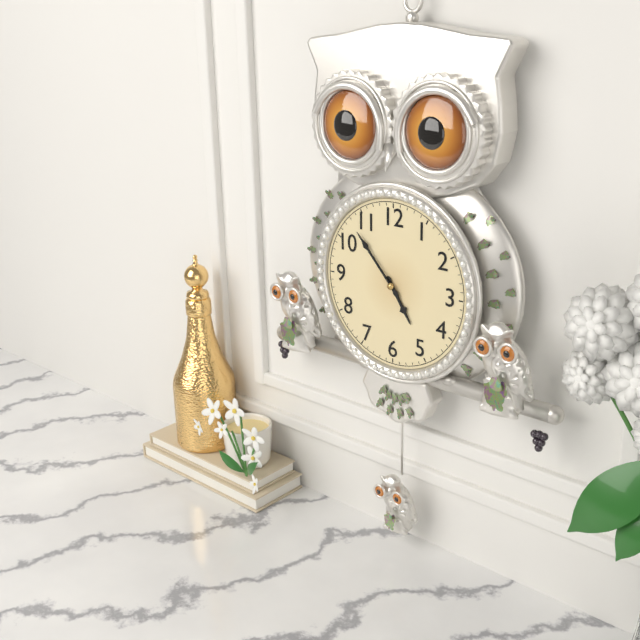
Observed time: **4:53**
